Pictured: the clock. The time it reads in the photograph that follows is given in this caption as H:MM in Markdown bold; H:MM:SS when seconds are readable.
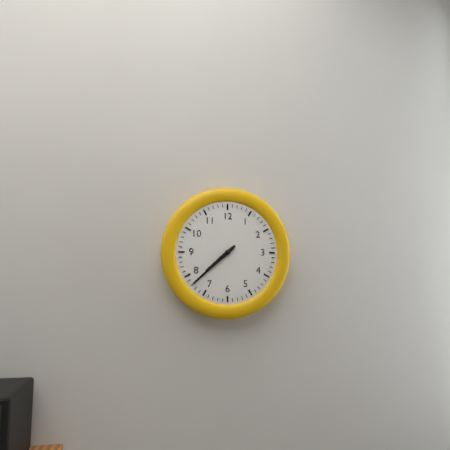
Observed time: **7:38**
